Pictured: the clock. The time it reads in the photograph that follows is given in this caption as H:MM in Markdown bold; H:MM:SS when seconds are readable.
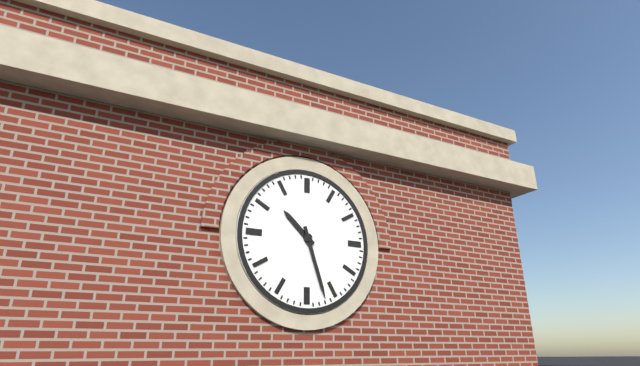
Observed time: **10:27**
